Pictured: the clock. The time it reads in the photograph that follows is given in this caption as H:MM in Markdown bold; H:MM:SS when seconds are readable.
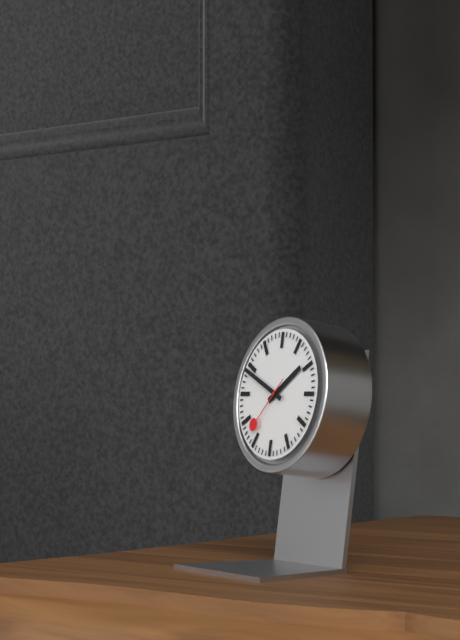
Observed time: **1:49:37**
